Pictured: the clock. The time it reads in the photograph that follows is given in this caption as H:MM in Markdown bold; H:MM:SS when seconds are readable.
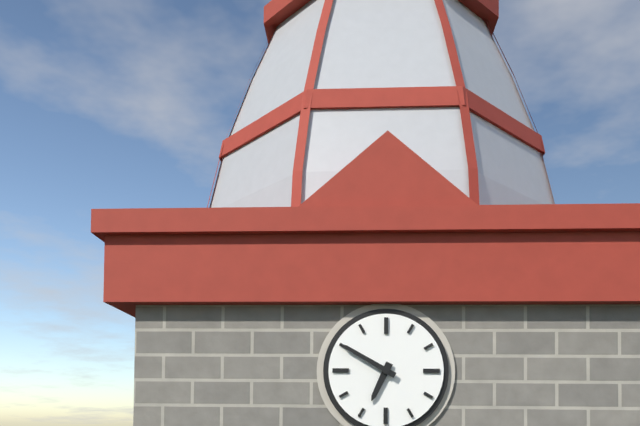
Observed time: **6:50**
